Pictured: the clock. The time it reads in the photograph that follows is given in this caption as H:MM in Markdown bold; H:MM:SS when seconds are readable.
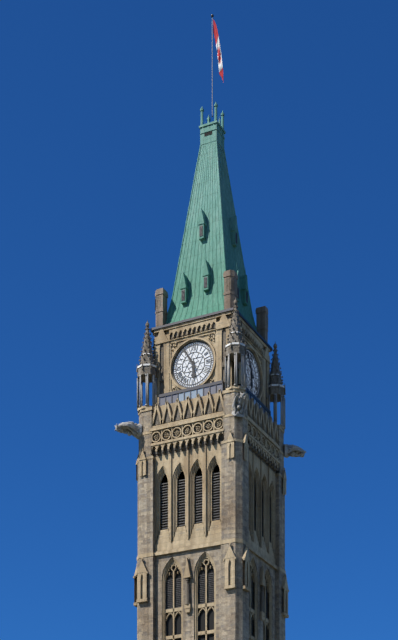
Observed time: **5:55**
